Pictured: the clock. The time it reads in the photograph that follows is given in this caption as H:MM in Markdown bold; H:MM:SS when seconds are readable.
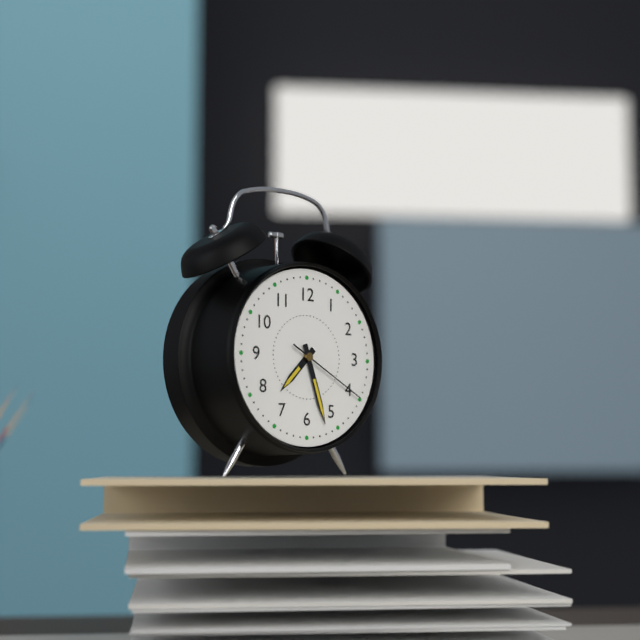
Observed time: **7:27:20**
